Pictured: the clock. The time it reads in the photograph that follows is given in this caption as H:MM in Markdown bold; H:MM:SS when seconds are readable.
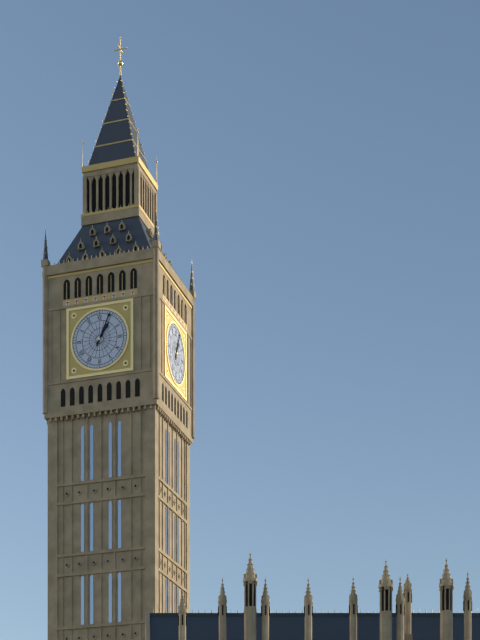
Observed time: **1:04**
